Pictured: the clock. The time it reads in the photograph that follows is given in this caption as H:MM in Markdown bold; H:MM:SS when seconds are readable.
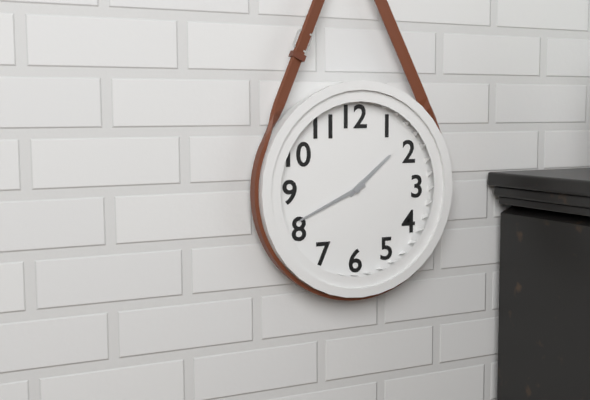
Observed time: **1:41**
